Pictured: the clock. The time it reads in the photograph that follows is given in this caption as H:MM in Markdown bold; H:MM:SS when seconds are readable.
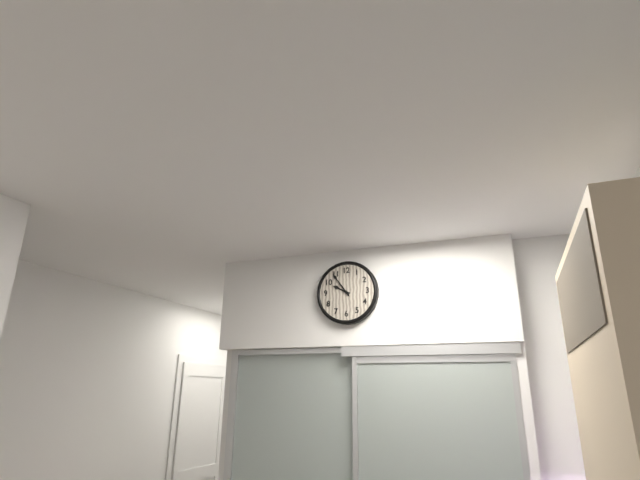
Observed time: **9:54**
